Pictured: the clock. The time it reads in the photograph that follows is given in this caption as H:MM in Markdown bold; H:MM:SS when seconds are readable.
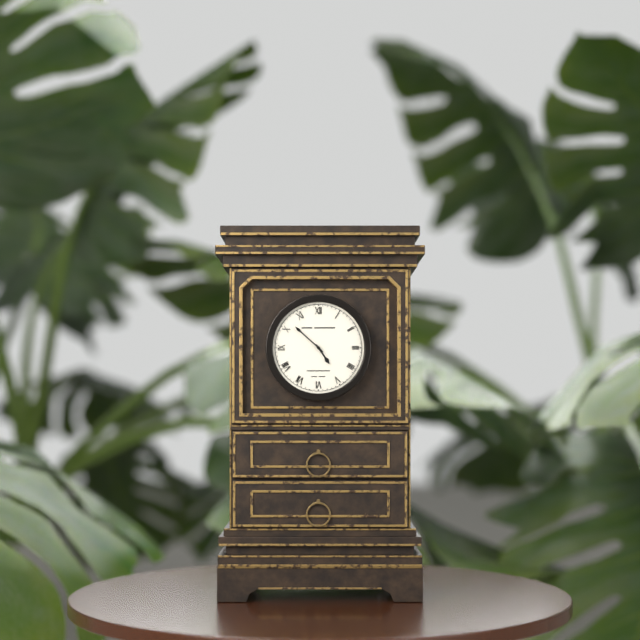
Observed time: **4:52**
